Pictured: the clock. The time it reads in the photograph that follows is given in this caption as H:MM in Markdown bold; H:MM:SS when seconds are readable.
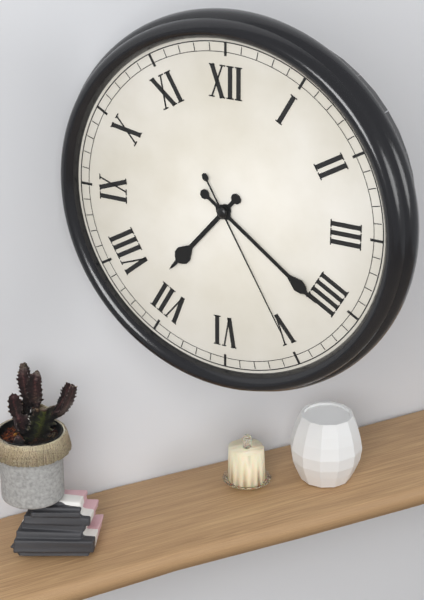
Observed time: **7:21:25**
